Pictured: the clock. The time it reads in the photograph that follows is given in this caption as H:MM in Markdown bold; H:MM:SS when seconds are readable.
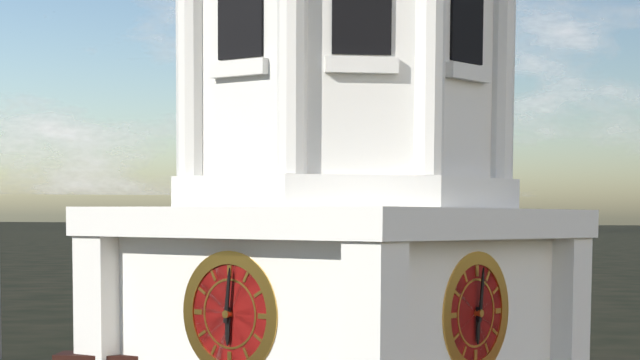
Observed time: **6:01**
